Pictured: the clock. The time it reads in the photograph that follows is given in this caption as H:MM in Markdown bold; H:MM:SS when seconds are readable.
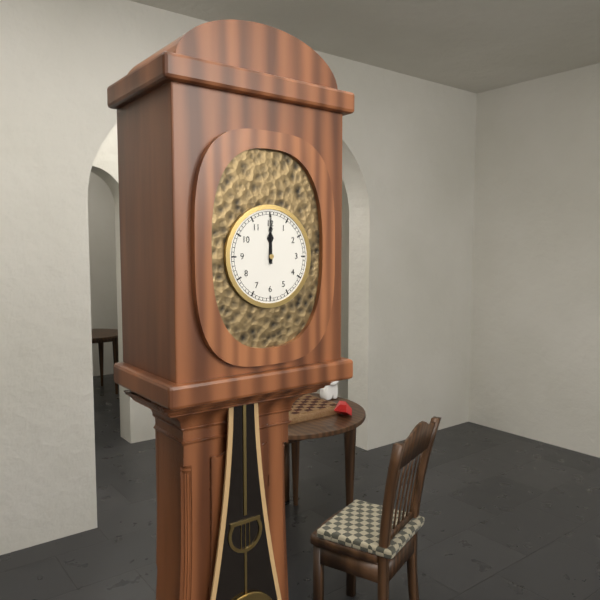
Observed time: **12:00**
